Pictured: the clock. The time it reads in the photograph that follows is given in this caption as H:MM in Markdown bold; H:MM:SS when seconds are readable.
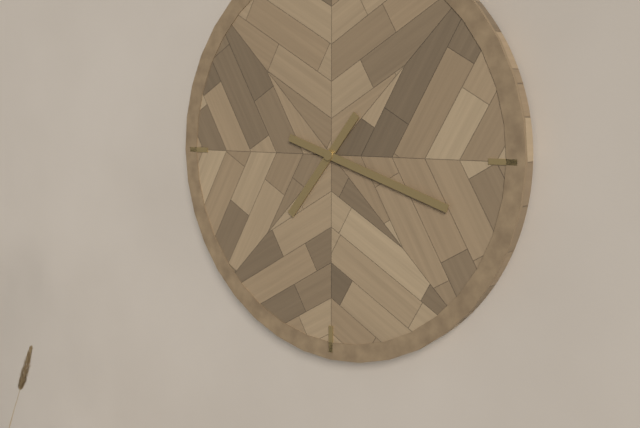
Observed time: **7:18**
